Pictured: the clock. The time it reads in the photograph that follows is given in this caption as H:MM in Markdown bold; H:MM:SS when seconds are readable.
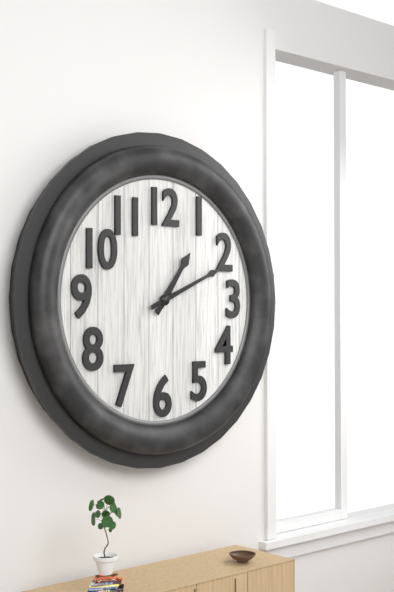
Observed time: **1:11**
